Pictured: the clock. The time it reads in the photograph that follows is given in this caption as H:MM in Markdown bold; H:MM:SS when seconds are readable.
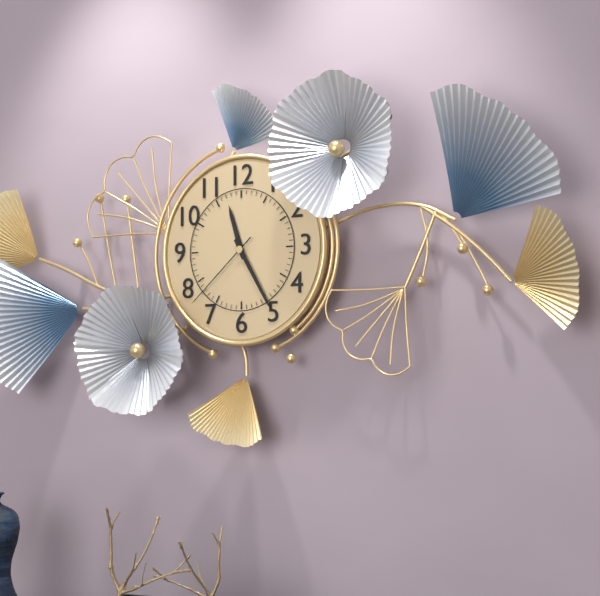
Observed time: **11:25:38**
